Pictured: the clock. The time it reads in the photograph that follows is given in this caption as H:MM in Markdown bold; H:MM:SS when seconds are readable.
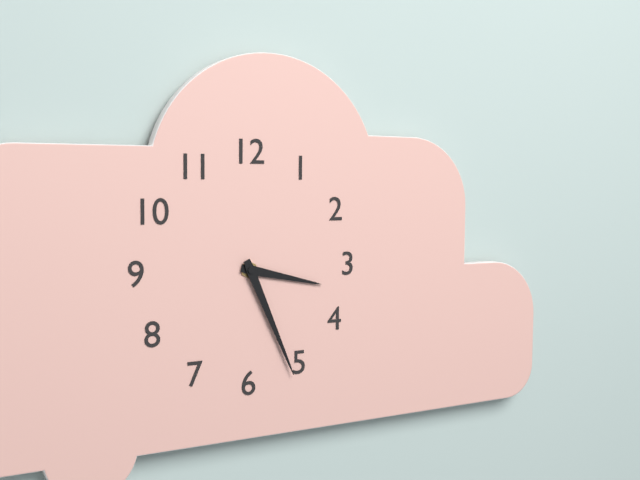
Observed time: **3:26**
